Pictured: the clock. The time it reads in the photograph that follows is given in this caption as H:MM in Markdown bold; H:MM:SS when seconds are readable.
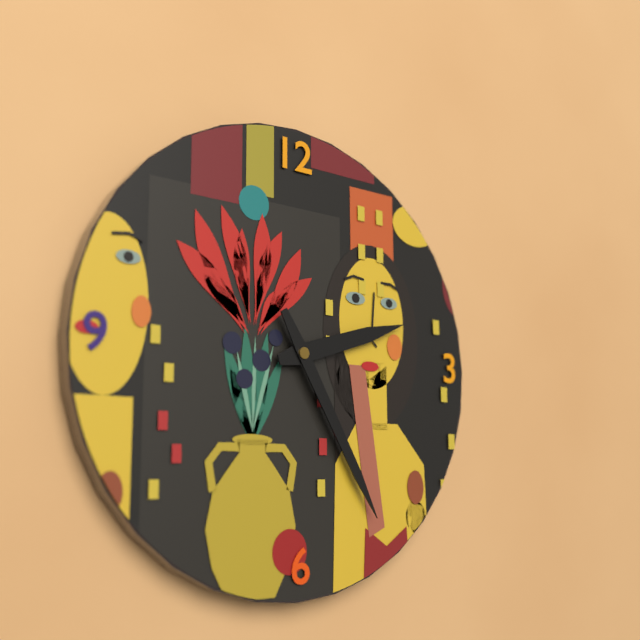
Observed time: **2:25**
